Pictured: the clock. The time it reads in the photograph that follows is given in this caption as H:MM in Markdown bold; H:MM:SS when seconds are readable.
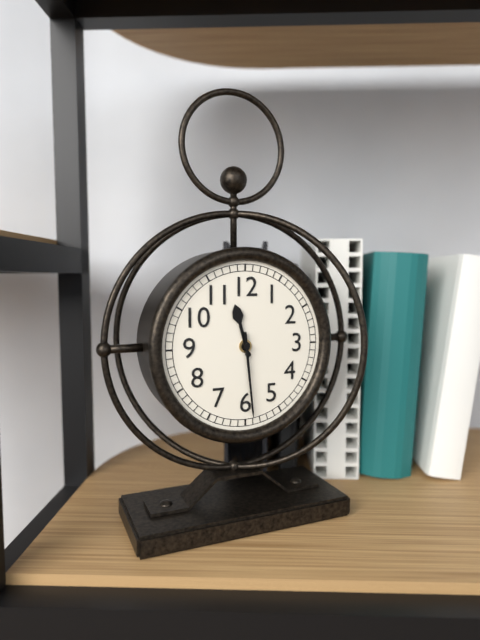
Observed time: **11:29**
